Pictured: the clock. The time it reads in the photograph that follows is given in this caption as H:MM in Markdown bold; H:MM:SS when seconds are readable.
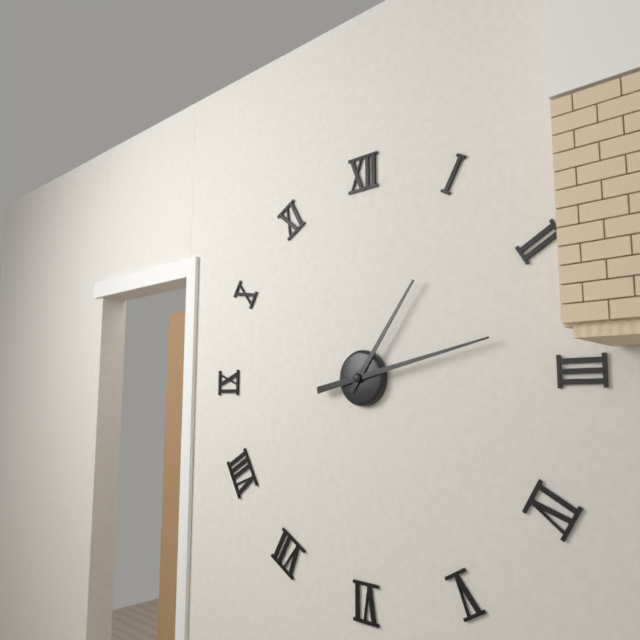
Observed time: **1:13**
